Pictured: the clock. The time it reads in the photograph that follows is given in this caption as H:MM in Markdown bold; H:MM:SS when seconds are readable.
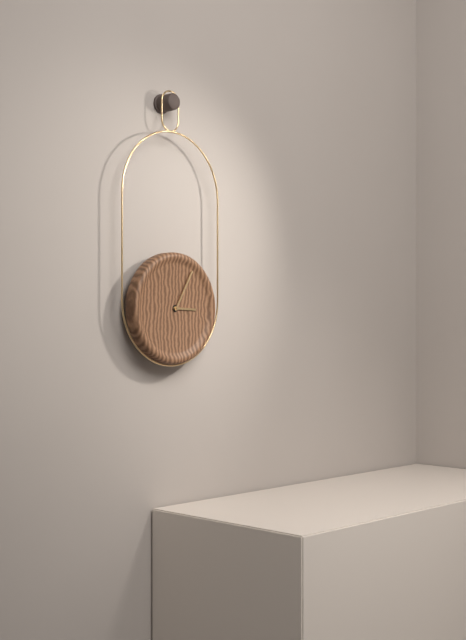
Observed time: **3:05**
